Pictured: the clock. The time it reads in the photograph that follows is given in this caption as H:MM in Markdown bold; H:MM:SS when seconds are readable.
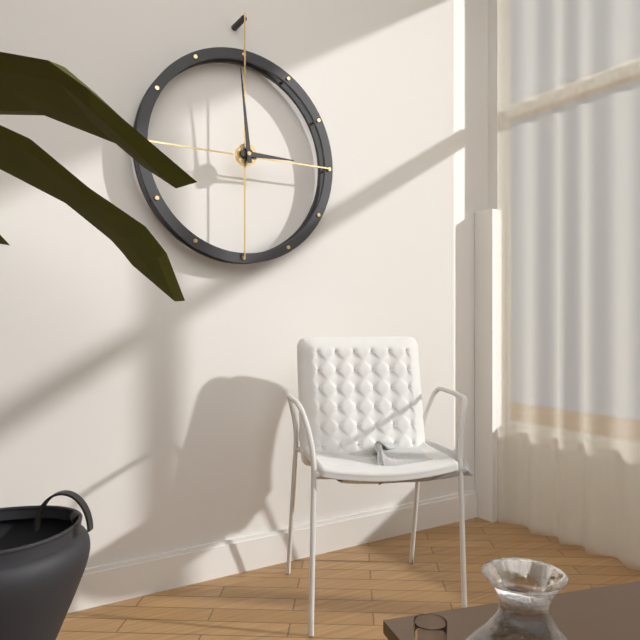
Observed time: **2:59**
